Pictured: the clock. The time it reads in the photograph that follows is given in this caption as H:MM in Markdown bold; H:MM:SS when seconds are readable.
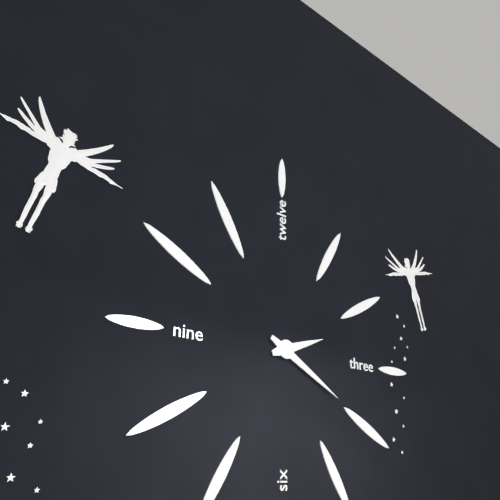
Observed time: **2:20**
